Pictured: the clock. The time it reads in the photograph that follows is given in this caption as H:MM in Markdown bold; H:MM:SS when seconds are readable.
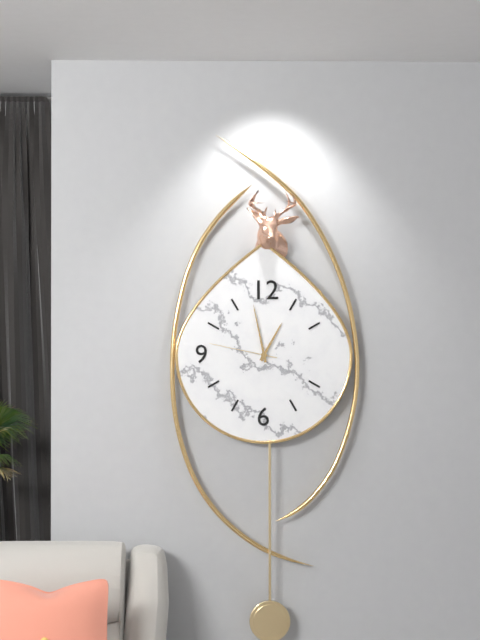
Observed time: **12:58:47**
